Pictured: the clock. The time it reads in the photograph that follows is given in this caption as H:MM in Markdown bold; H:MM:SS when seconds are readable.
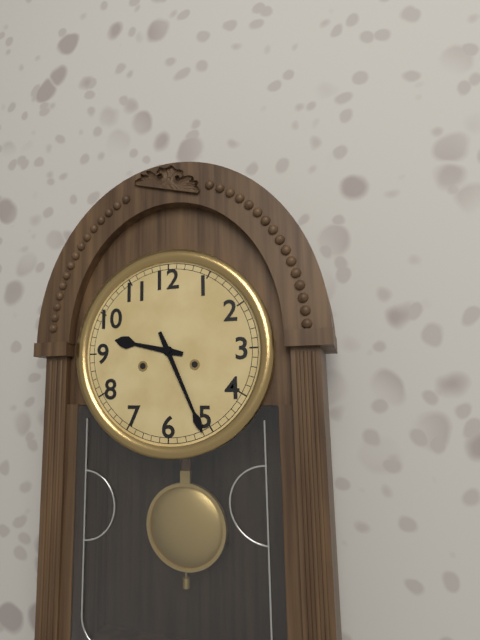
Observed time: **9:26**
